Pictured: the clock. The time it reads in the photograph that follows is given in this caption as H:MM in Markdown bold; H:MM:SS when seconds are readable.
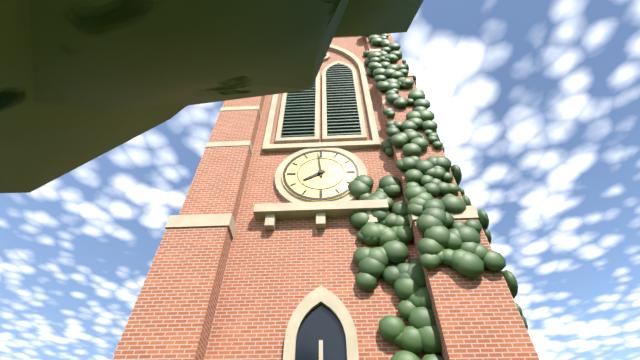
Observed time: **7:59**
